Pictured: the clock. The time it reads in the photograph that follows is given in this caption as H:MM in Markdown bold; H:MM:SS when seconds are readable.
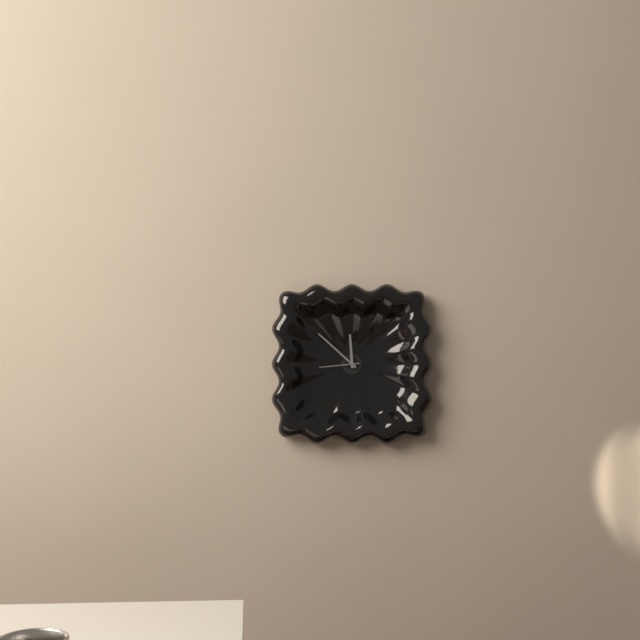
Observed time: **11:52**
